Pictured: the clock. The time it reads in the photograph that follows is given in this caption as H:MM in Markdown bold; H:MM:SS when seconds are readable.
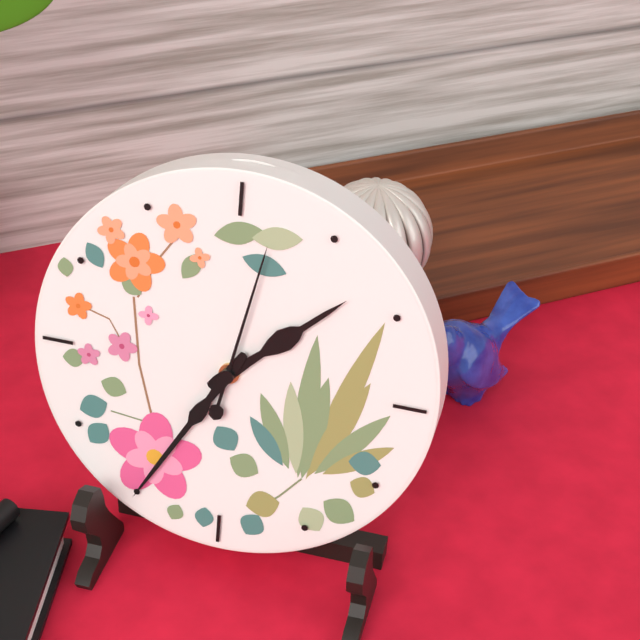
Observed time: **1:35:02**
